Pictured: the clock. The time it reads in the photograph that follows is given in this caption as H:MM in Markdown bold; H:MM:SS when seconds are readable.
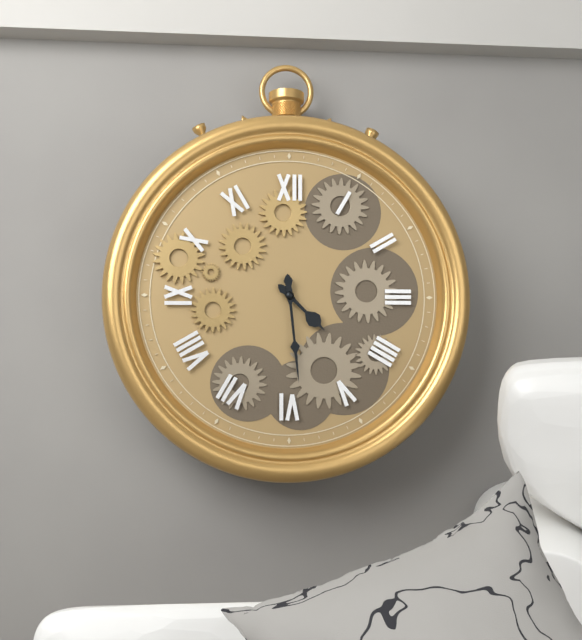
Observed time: **4:29**
